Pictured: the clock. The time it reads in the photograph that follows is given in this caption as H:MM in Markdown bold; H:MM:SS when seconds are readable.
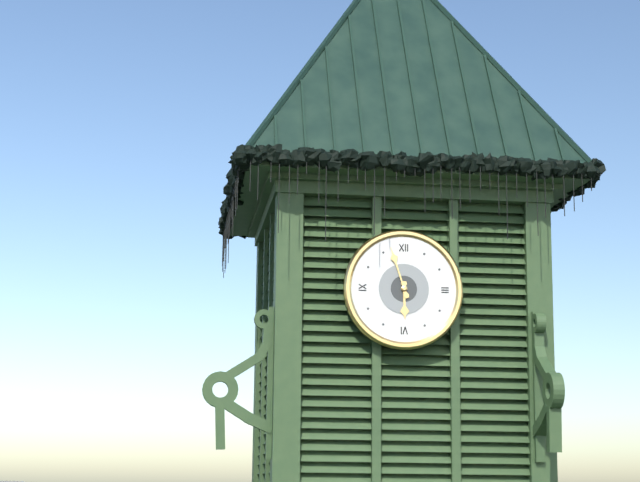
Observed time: **5:57**
